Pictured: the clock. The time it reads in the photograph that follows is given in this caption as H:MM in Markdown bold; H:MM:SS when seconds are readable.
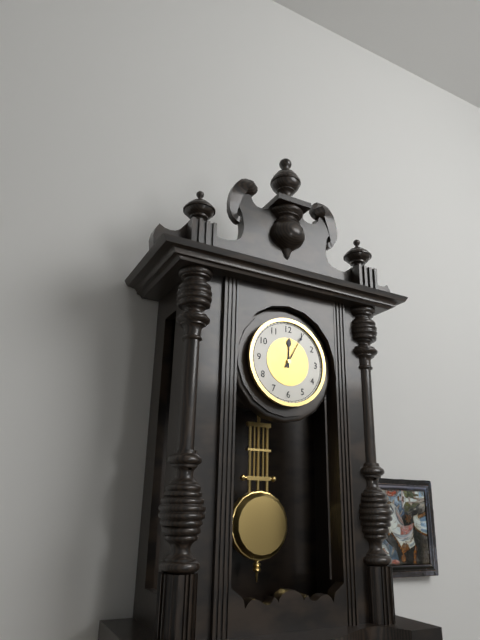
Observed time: **12:05**
